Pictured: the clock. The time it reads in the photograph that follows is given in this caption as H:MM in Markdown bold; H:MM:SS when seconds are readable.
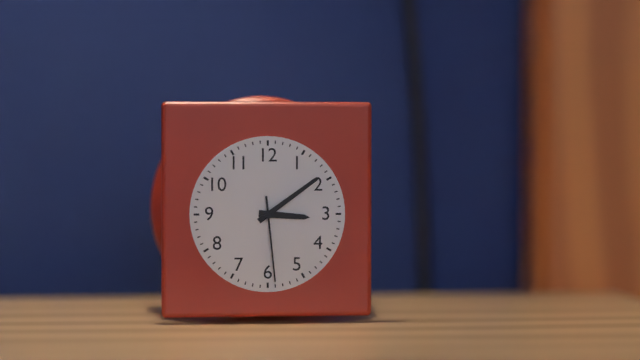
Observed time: **3:09:29**
